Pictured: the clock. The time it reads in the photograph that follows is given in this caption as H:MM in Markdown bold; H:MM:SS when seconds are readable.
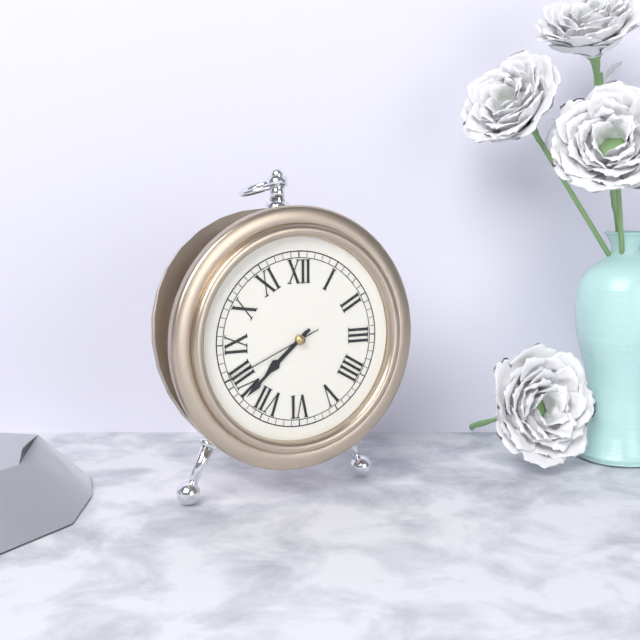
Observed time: **7:38:41**
